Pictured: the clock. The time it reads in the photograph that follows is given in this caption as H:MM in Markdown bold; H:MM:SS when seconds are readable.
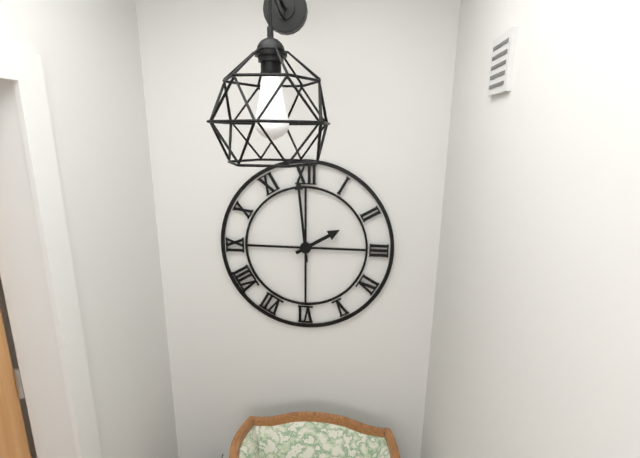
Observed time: **1:59**
